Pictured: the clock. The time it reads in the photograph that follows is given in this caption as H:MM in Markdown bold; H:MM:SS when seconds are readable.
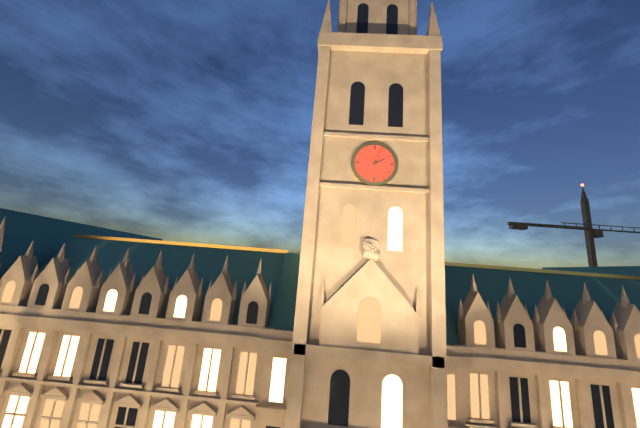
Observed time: **2:04**
